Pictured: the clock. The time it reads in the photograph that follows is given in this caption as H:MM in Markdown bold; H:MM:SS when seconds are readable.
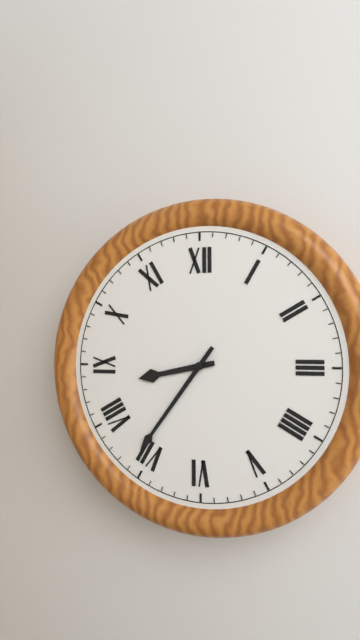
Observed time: **8:36**
